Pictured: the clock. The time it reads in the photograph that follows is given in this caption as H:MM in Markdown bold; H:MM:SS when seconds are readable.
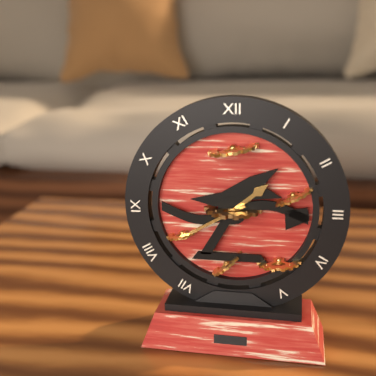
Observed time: **1:40**
